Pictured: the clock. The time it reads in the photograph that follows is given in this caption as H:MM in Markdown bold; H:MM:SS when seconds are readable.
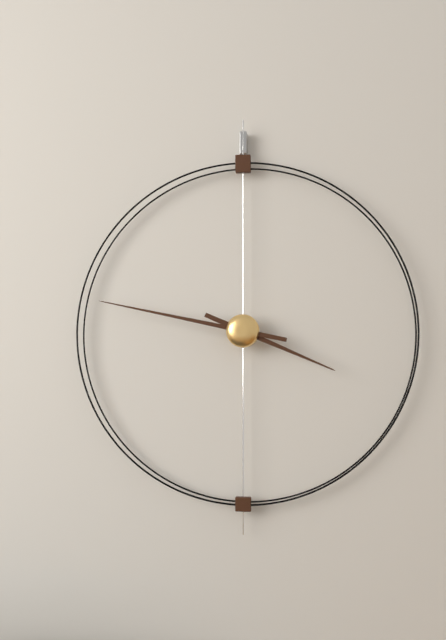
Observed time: **3:47**
